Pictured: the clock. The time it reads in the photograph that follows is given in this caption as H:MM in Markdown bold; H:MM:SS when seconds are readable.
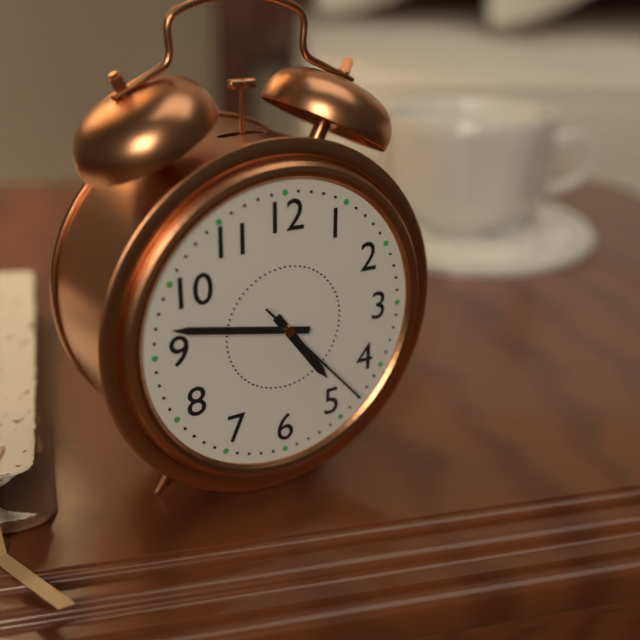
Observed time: **4:47:23**
